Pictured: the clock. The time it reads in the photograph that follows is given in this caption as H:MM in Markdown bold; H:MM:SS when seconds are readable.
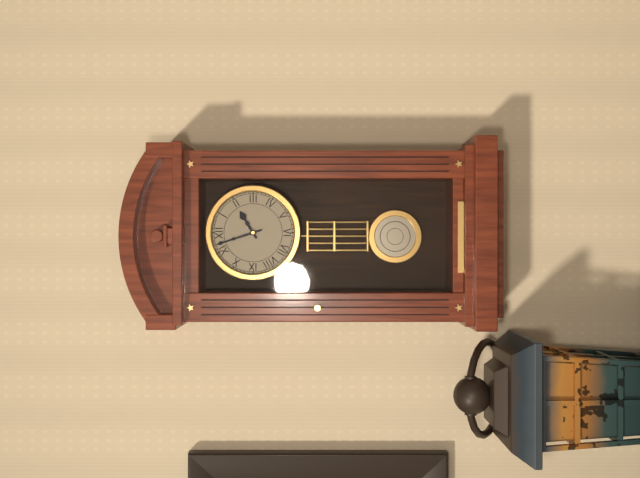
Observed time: **1:57**
